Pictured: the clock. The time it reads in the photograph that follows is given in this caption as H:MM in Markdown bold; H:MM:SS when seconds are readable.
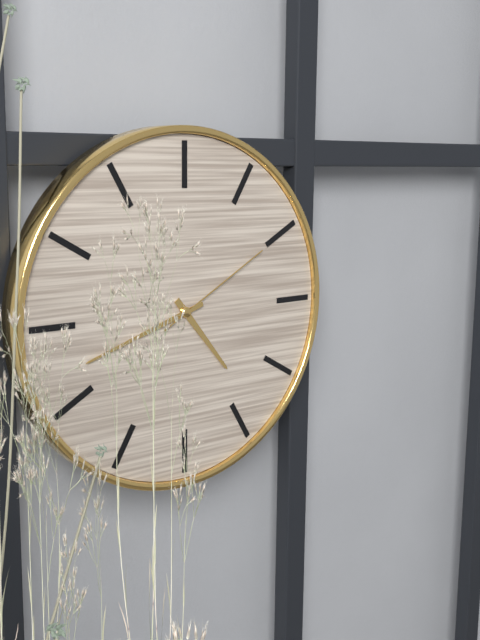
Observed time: **4:42:10**
